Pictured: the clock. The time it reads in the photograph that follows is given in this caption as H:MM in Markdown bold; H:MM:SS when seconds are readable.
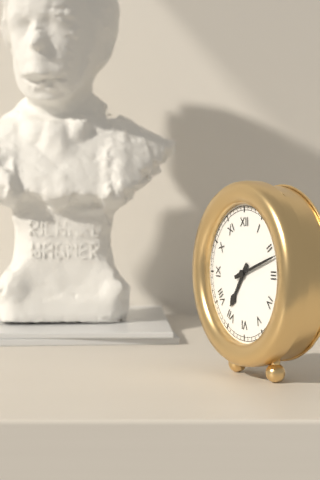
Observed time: **7:12**
